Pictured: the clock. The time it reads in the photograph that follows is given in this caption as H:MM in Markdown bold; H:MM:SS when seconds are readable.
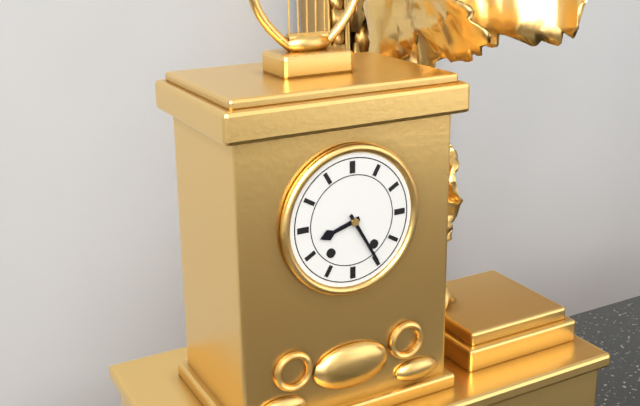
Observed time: **8:25**
